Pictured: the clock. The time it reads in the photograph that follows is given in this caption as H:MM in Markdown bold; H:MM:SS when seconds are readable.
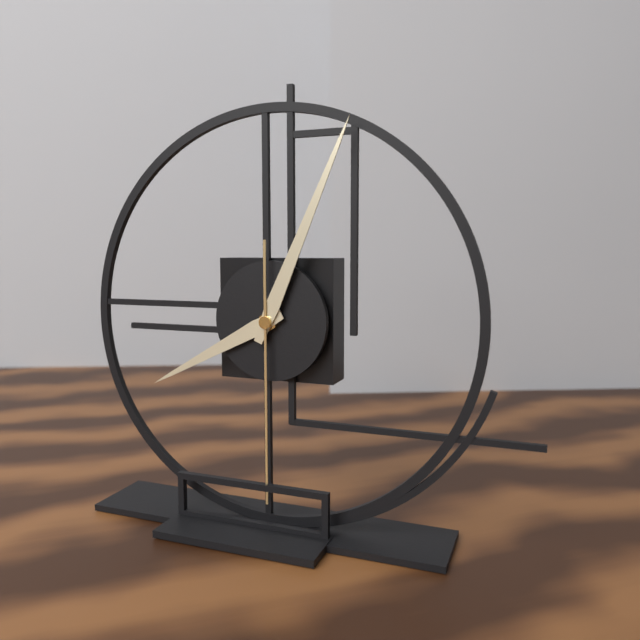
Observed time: **8:04:30**
